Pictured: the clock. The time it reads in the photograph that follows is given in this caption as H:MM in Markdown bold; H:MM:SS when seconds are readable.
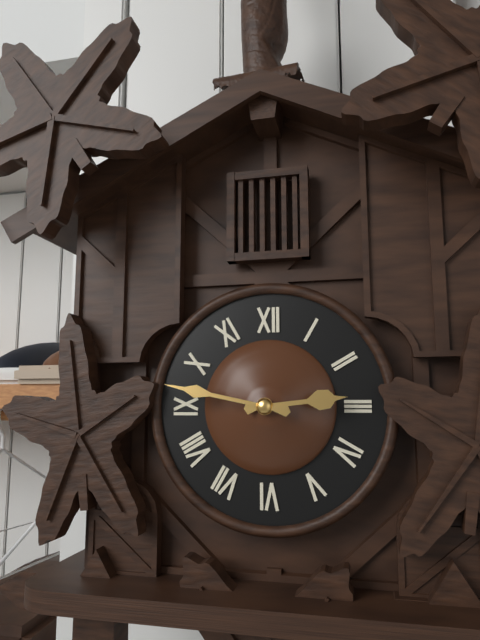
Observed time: **2:47**
